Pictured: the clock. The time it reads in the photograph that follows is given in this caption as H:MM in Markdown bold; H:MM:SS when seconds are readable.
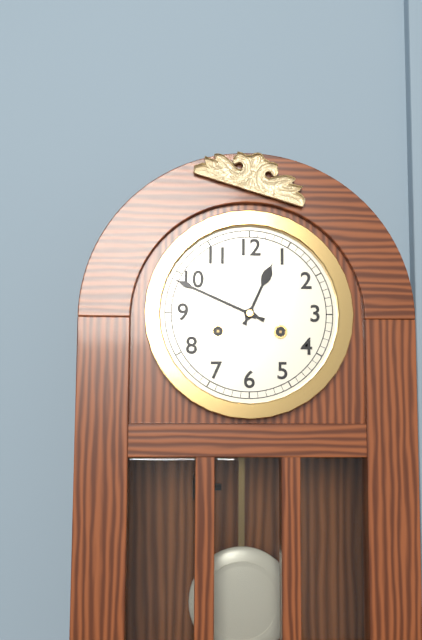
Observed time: **12:49**
